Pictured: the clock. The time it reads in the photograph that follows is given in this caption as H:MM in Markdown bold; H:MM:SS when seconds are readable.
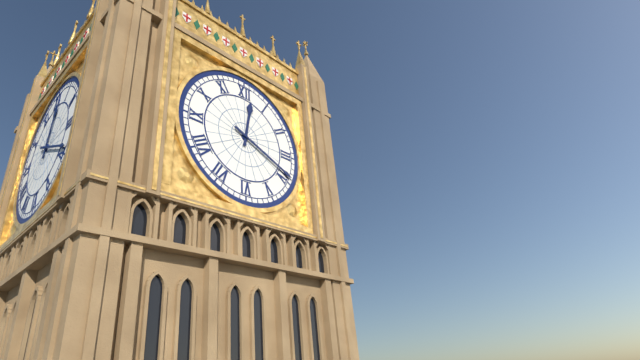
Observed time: **12:19**
